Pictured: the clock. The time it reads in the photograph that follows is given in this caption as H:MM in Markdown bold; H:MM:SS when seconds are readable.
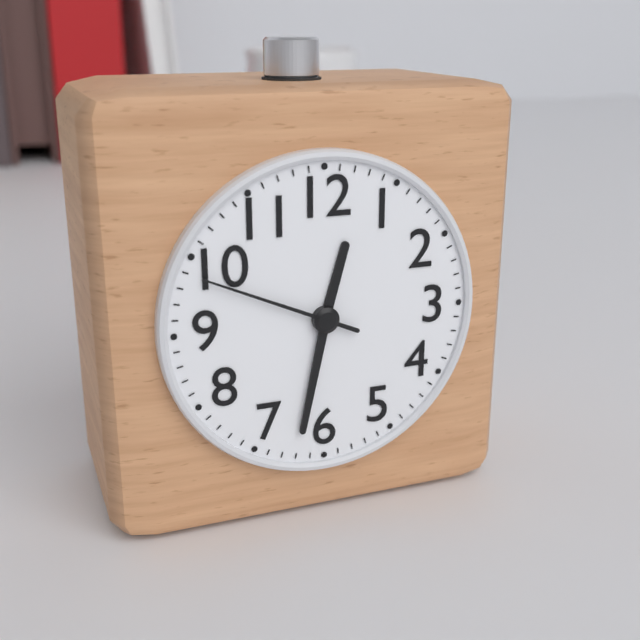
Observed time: **12:32:49**
